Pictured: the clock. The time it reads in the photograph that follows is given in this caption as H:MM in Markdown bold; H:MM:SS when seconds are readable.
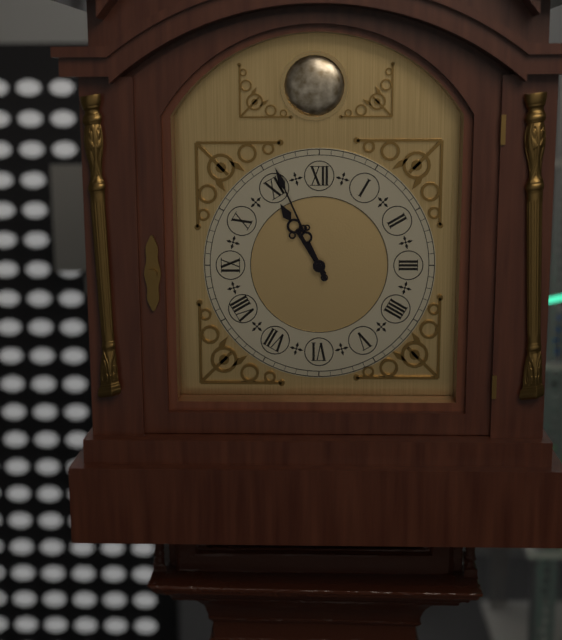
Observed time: **10:56**
